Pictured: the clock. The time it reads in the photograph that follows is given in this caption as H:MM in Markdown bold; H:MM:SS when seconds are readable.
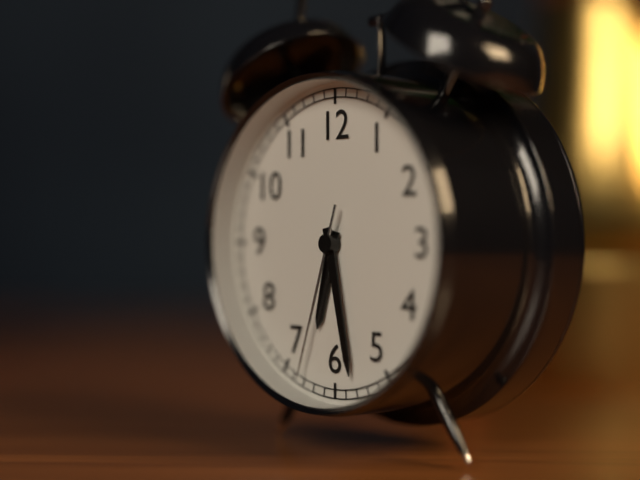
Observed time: **6:28:33**
